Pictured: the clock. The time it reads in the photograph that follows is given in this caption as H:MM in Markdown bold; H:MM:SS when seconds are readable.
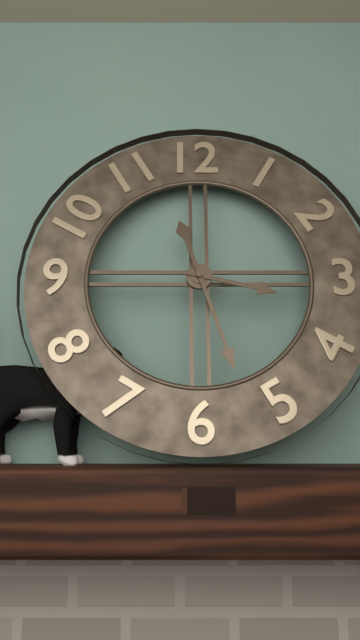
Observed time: **3:27**
